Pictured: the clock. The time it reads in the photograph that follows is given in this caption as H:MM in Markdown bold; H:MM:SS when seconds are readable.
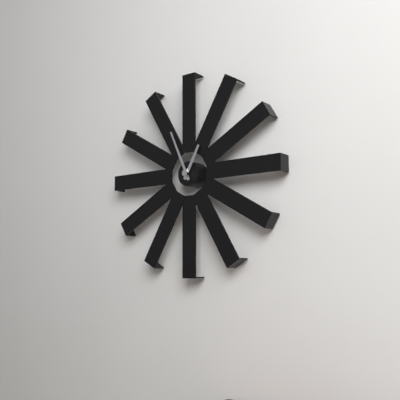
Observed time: **12:56**
